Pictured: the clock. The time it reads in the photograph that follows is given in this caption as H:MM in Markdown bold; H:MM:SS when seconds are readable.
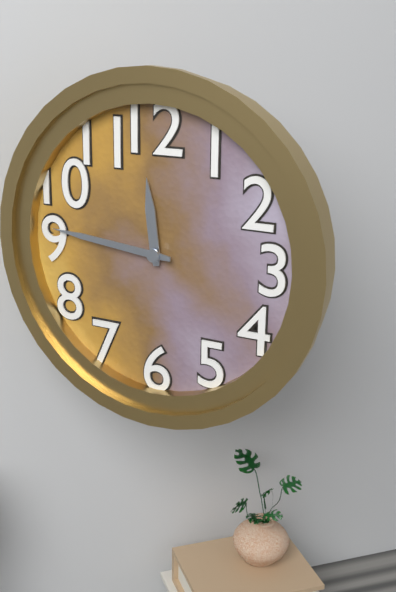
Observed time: **11:46**
